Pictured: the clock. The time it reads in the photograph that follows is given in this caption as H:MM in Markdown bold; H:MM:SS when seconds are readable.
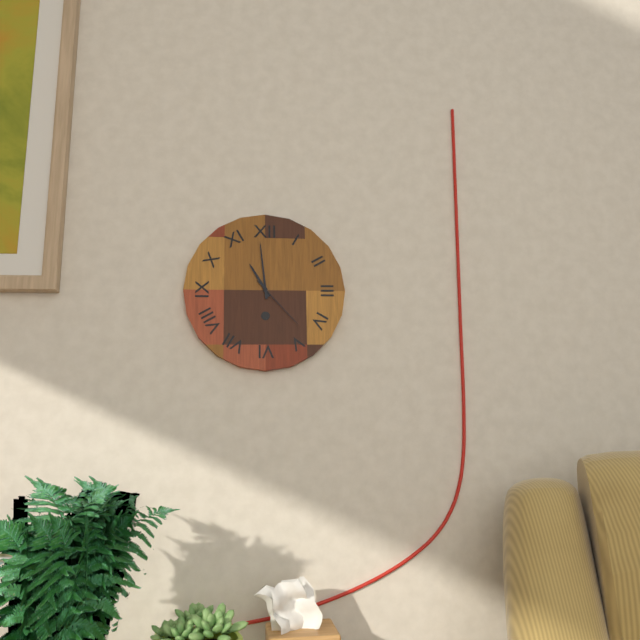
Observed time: **10:59:23**
